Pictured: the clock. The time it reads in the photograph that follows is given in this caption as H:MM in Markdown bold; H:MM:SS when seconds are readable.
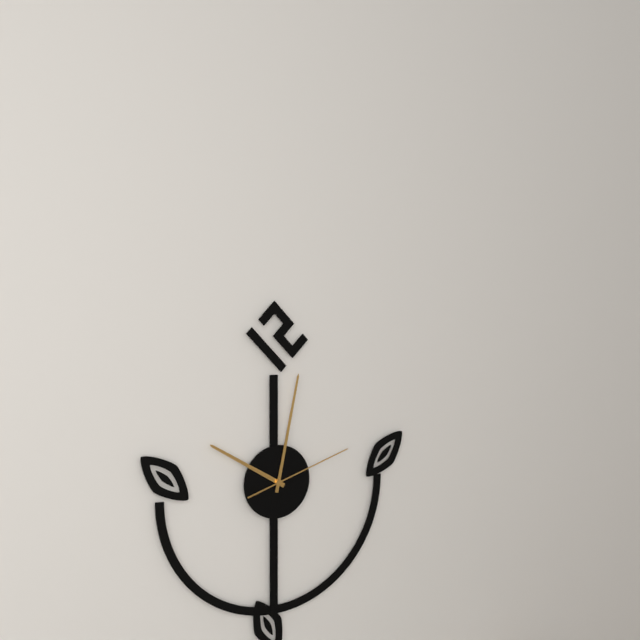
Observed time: **10:02:12**
